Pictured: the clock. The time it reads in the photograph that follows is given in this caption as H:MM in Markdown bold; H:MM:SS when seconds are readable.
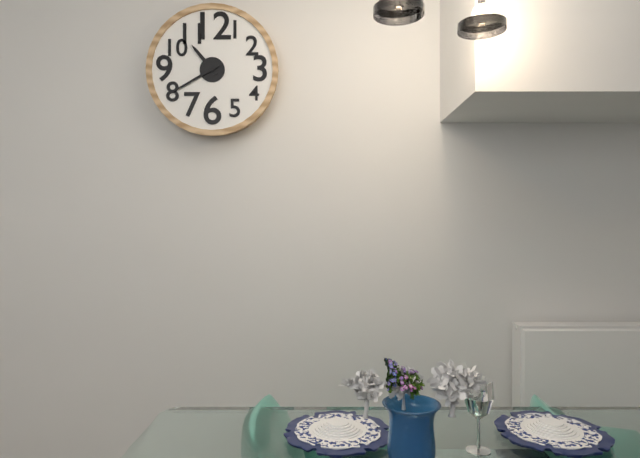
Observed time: **10:40**
